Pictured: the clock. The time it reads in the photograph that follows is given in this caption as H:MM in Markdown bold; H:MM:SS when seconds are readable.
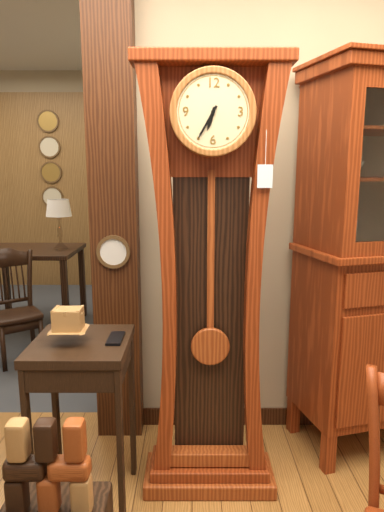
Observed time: **6:35**
